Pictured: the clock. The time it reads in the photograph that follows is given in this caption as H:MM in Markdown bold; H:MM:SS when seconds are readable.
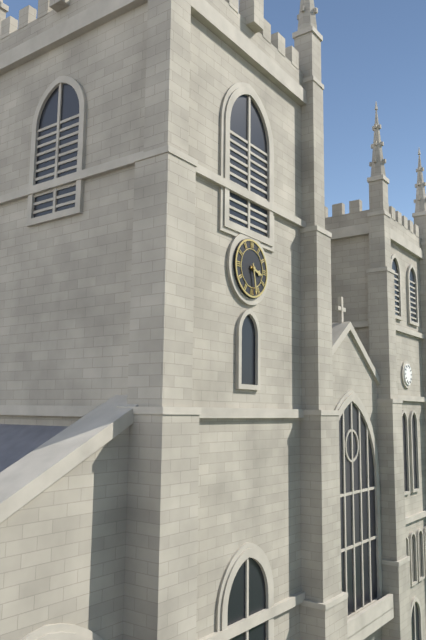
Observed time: **3:28**
